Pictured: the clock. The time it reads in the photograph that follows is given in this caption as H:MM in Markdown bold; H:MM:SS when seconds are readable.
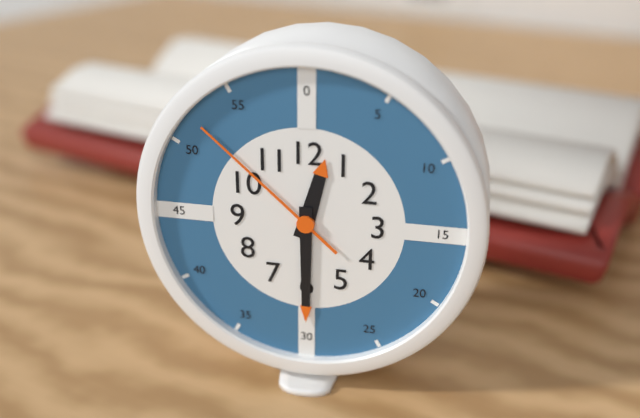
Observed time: **12:30:52**
